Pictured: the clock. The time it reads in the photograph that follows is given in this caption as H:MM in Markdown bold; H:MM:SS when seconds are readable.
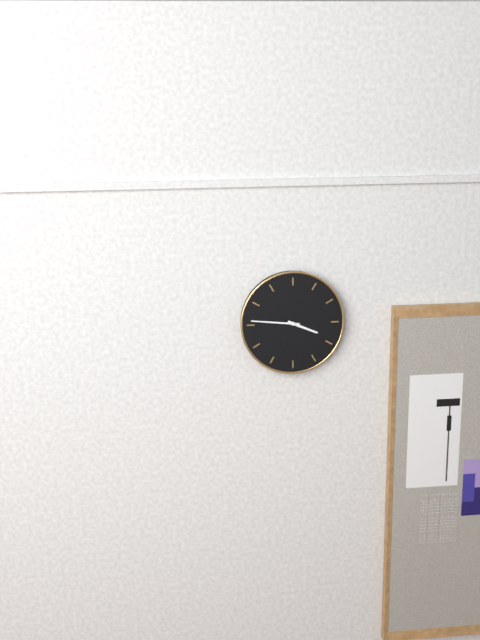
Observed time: **3:46**
